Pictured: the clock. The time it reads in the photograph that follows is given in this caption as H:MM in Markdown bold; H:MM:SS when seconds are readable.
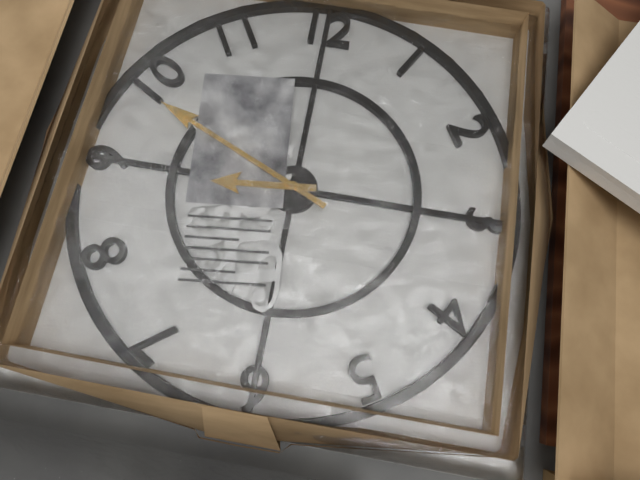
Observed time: **8:49**
